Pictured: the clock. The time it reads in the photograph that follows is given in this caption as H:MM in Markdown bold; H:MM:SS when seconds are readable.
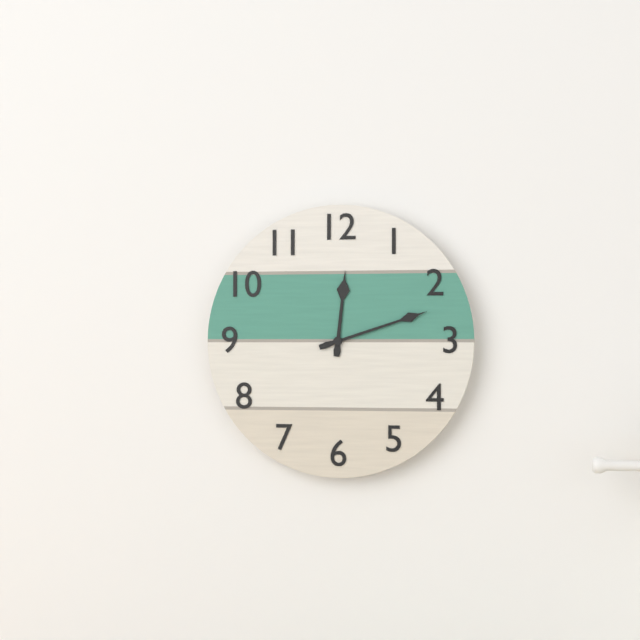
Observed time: **12:12**
